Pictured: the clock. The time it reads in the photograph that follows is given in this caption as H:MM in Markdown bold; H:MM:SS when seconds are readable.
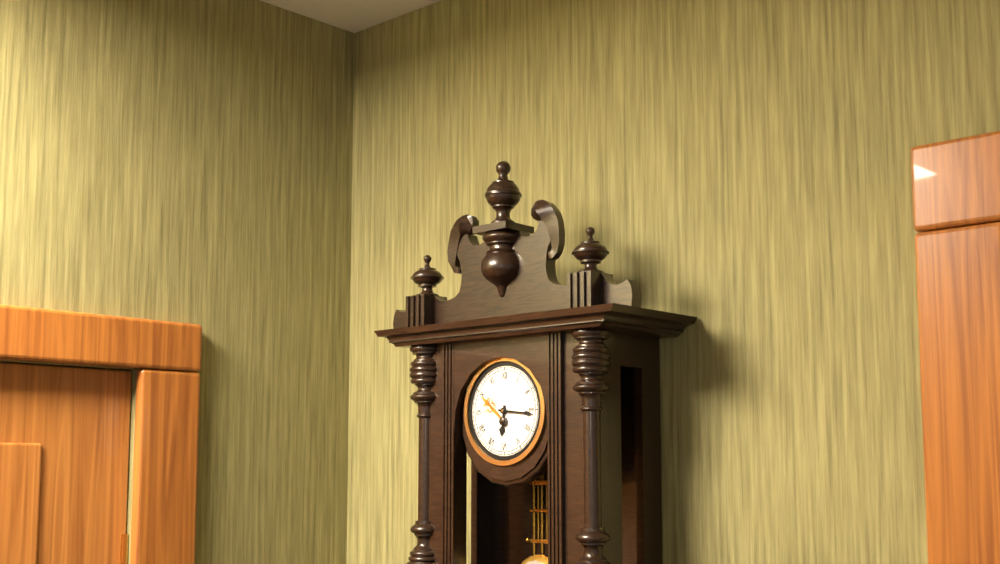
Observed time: **6:16**
